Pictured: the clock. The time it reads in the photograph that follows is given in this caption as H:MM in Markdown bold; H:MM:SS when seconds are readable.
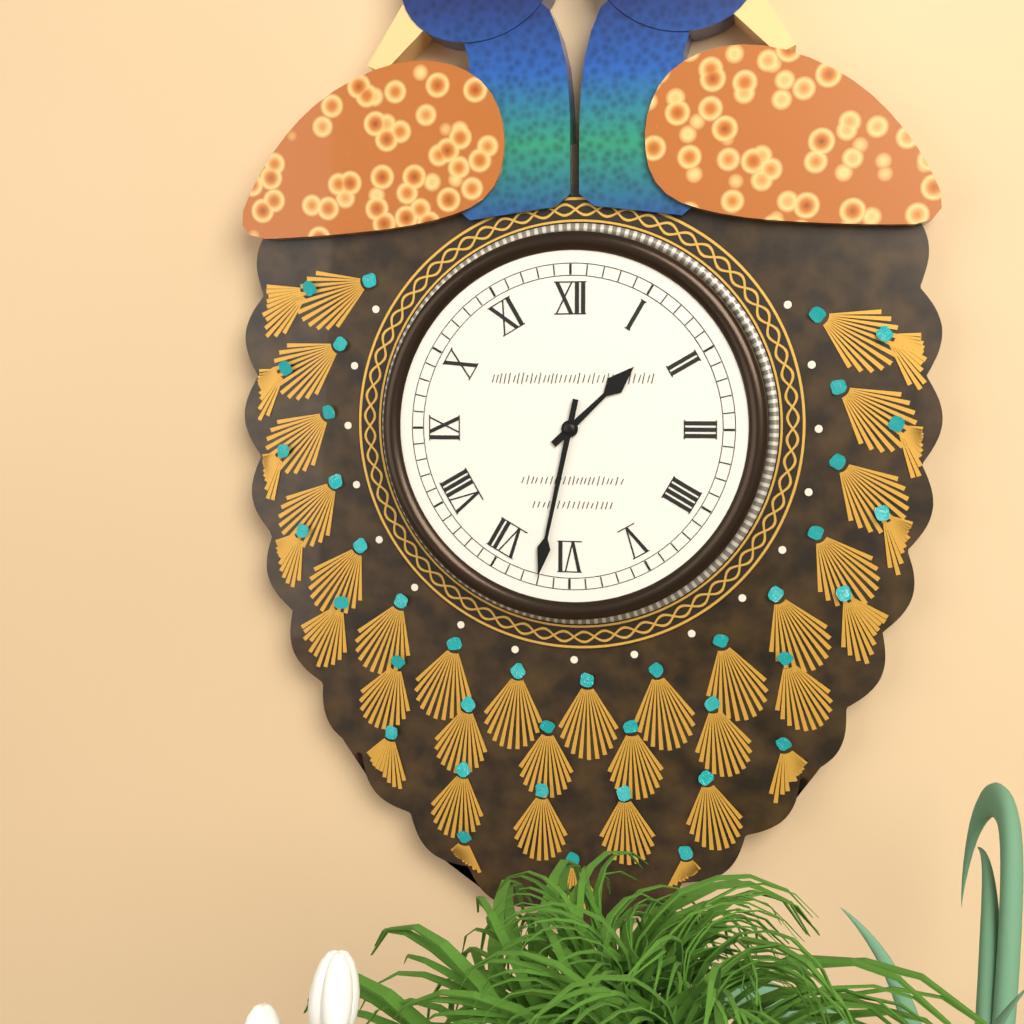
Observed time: **1:32**
